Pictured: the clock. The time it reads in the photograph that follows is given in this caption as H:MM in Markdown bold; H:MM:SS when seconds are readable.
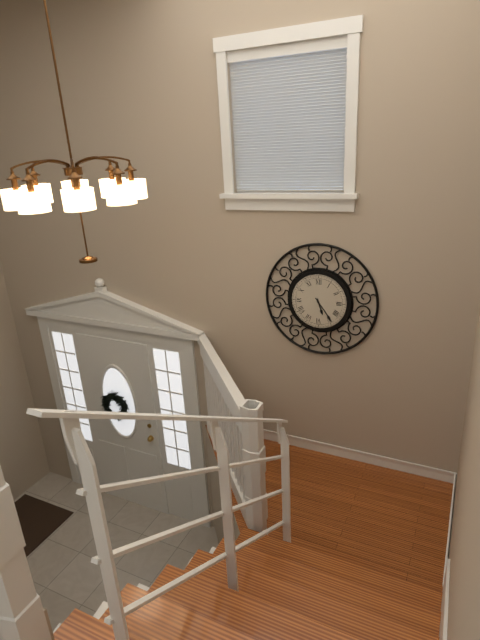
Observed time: **5:24**
